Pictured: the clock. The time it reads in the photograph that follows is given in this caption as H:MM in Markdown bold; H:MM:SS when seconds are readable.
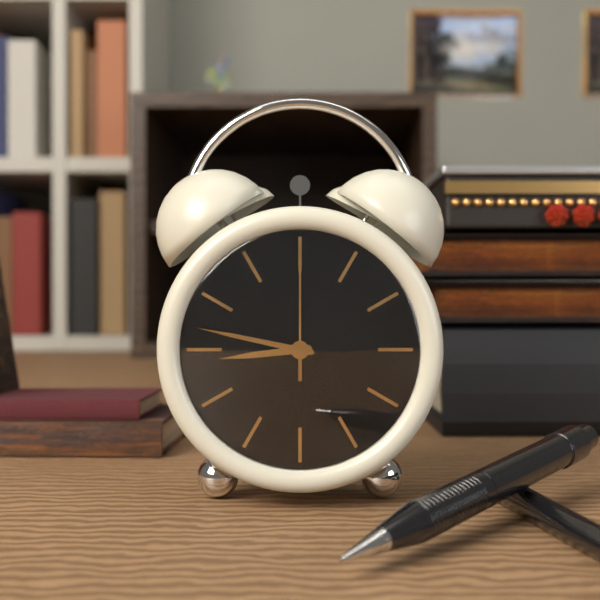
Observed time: **8:47:00**
